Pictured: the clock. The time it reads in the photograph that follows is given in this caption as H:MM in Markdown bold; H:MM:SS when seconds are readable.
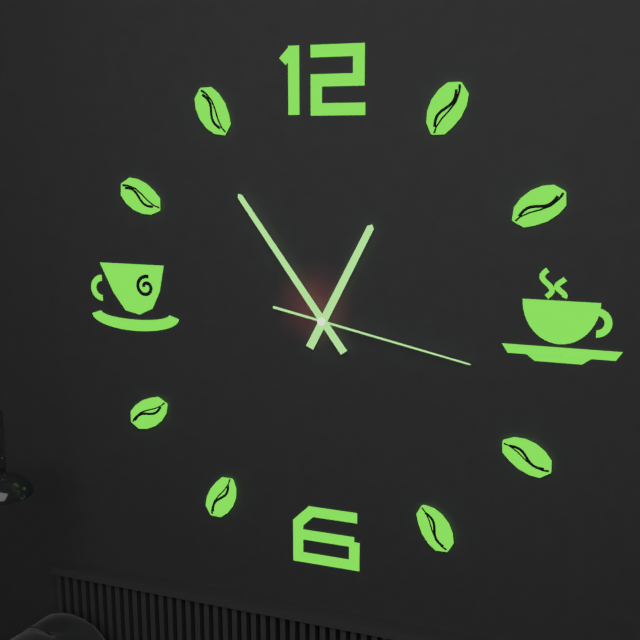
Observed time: **12:54:17**
